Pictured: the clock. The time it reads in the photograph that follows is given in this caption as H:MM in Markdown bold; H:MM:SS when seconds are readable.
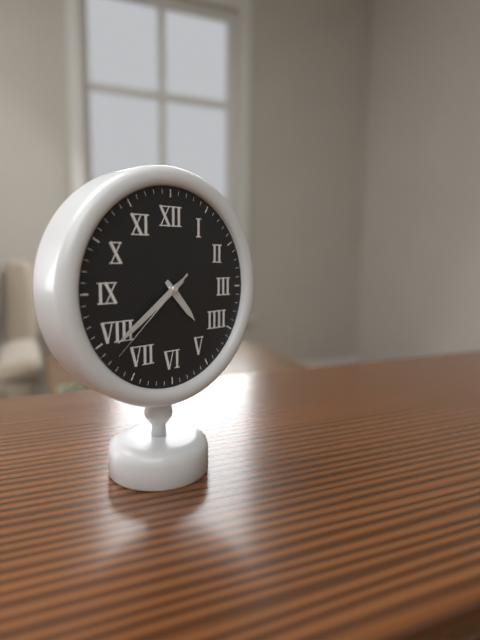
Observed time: **4:39:38**
